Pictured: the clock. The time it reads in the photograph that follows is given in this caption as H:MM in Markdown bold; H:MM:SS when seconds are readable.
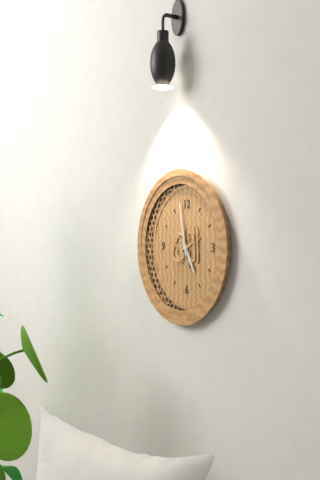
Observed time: **4:58**
